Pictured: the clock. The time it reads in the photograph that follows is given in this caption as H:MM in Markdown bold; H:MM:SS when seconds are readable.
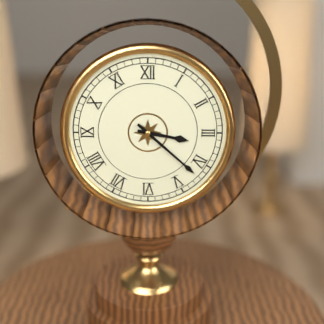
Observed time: **3:22**
